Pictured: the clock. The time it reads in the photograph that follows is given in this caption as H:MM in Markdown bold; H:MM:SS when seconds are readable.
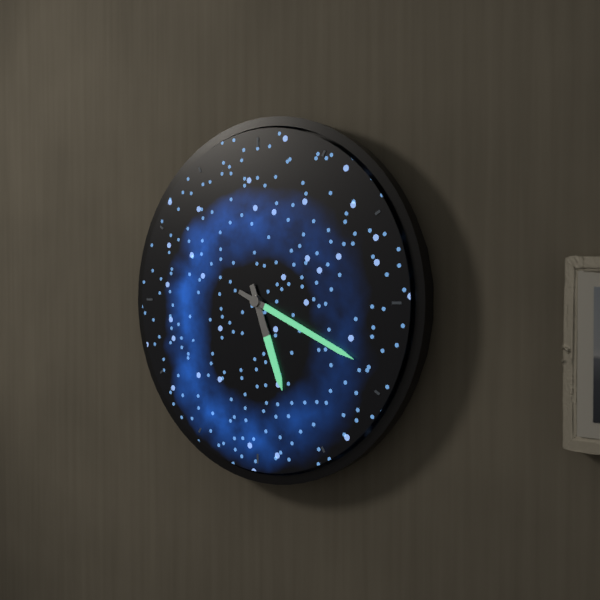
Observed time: **5:19**
